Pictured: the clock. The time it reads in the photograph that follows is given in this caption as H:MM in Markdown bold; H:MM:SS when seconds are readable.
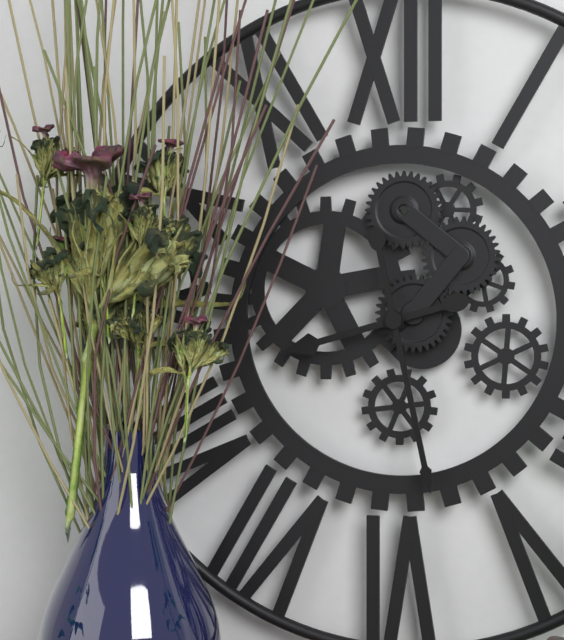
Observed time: **8:28**
